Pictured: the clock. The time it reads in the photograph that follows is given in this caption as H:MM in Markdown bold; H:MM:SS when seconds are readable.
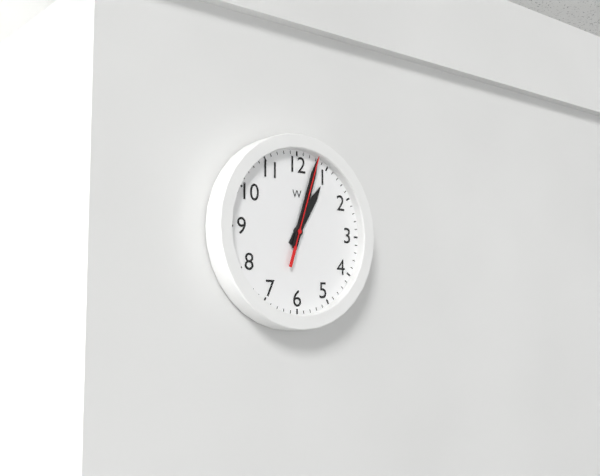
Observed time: **1:03:03**
